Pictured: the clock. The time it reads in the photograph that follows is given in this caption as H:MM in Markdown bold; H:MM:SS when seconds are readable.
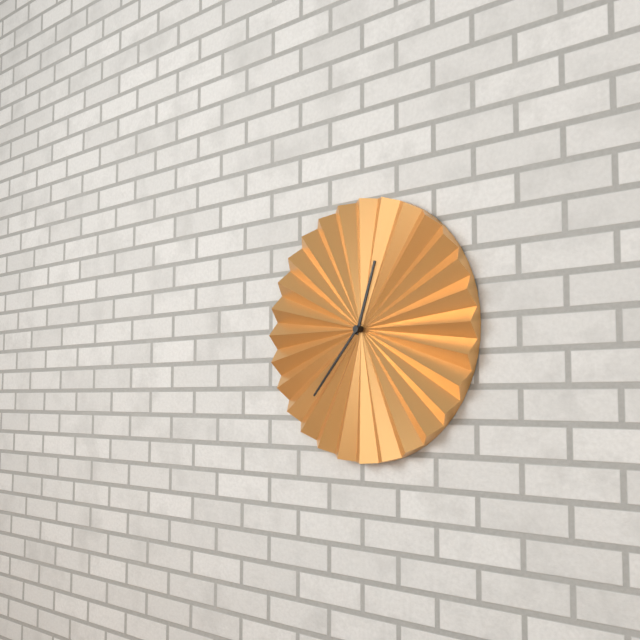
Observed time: **12:37**
